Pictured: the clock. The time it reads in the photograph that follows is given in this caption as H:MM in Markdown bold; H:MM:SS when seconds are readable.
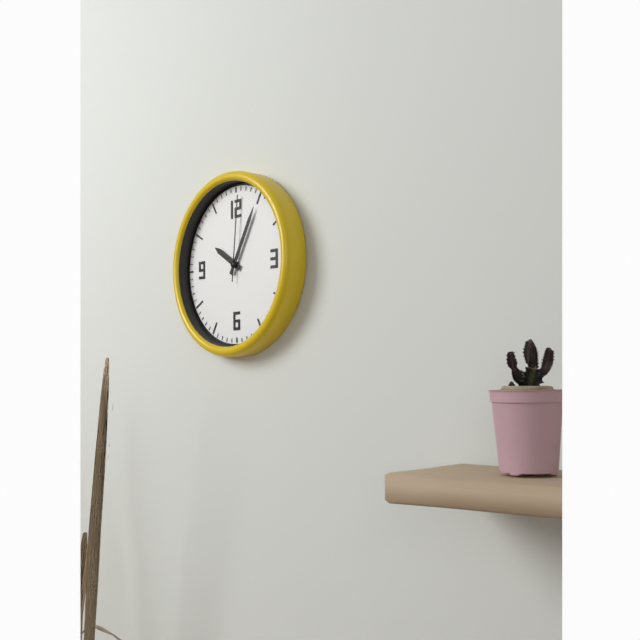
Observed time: **10:05:01**
